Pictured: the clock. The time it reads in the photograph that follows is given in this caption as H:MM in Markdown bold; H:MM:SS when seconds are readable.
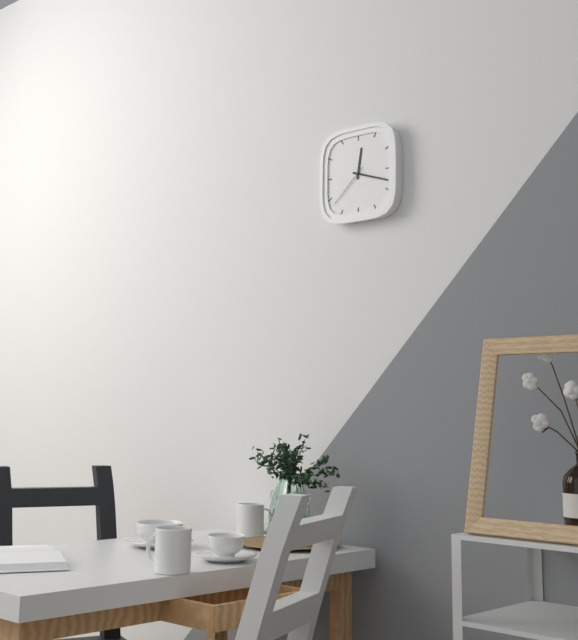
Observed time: **12:18**
